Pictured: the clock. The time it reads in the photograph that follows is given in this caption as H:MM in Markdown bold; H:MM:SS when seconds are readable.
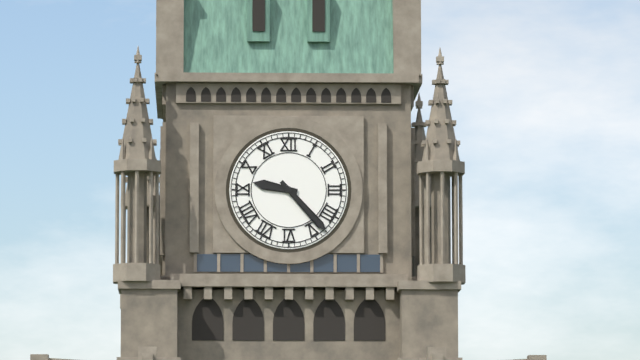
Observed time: **9:23**
